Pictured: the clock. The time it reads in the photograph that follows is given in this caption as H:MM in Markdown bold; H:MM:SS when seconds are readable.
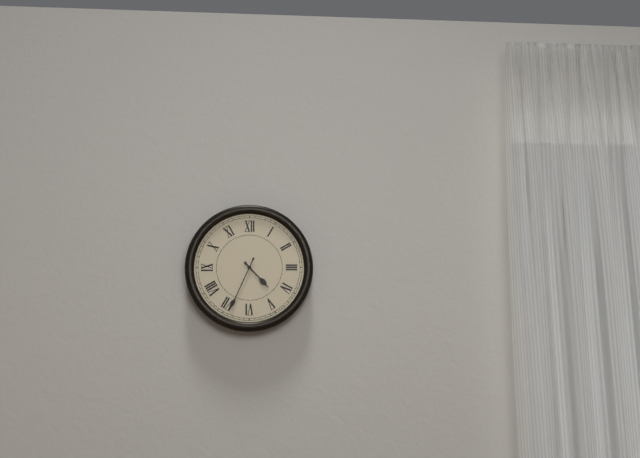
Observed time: **4:34**
